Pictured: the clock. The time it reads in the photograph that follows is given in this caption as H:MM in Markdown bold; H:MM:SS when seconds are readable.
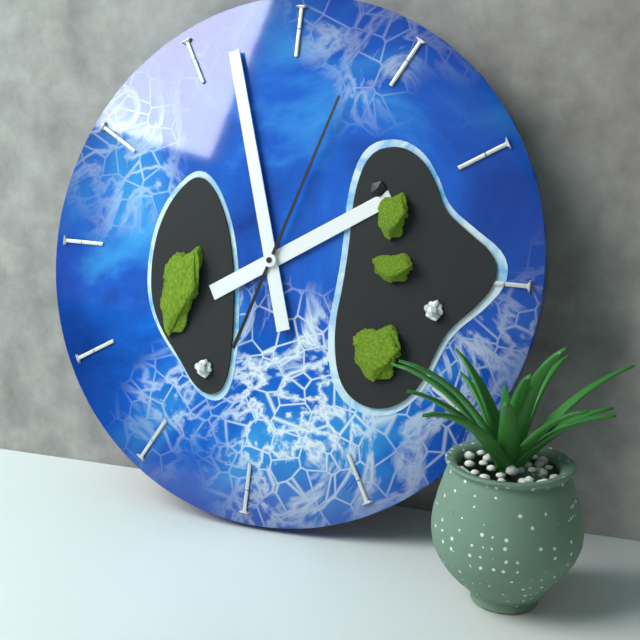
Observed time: **1:57:03**
